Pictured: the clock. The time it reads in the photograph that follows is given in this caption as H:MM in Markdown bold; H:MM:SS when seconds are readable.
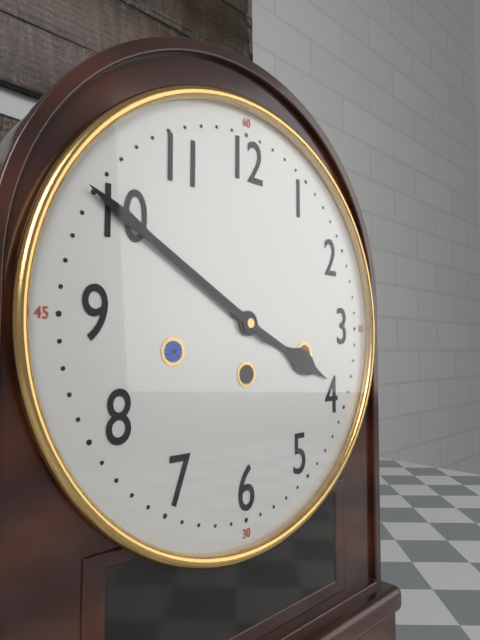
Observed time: **3:50**
